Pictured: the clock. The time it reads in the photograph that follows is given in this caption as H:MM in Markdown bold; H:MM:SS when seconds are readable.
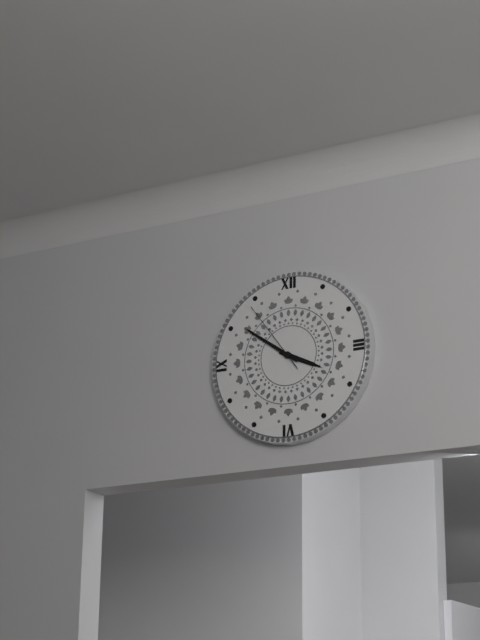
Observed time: **3:51:54**
